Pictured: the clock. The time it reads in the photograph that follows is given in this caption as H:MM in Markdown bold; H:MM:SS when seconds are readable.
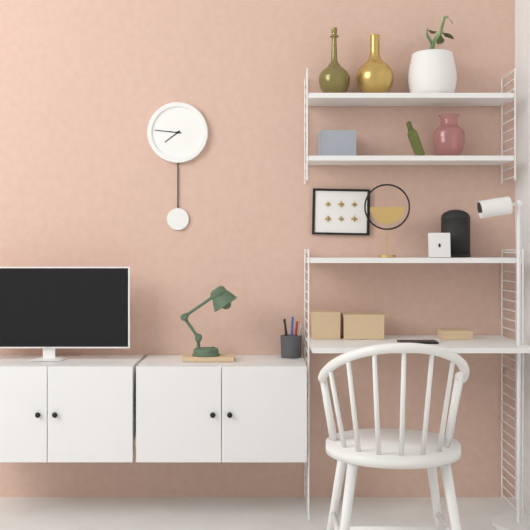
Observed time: **7:46**
